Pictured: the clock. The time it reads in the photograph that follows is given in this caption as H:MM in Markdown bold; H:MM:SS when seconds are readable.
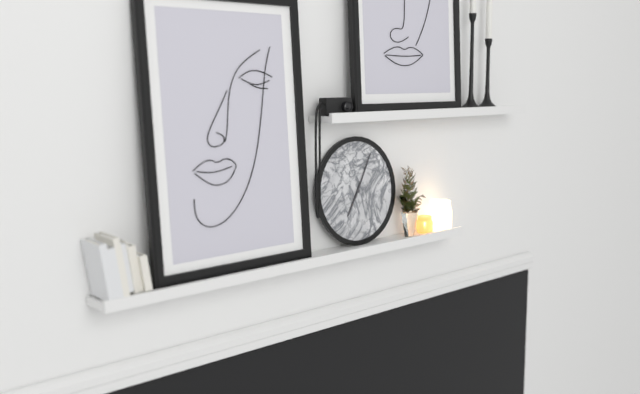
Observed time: **7:05**
